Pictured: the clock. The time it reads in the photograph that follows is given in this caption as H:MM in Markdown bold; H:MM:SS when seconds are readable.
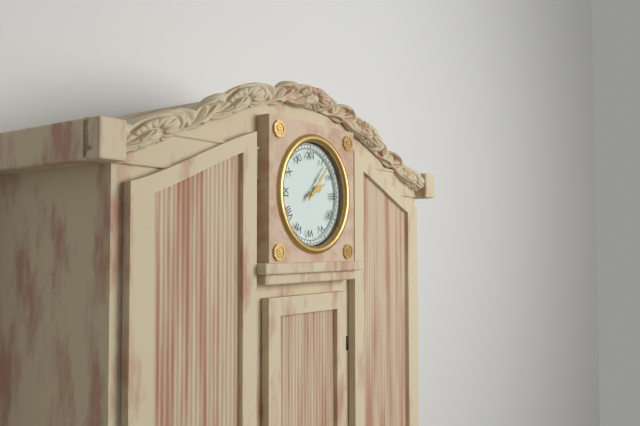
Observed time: **2:07**
